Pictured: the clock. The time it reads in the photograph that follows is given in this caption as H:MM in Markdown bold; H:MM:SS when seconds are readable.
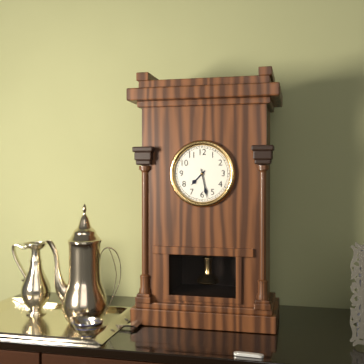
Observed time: **7:28**
